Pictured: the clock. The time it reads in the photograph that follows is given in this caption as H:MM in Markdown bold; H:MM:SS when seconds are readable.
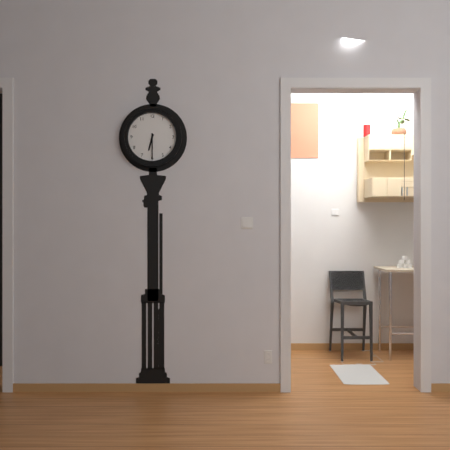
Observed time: **6:30**
